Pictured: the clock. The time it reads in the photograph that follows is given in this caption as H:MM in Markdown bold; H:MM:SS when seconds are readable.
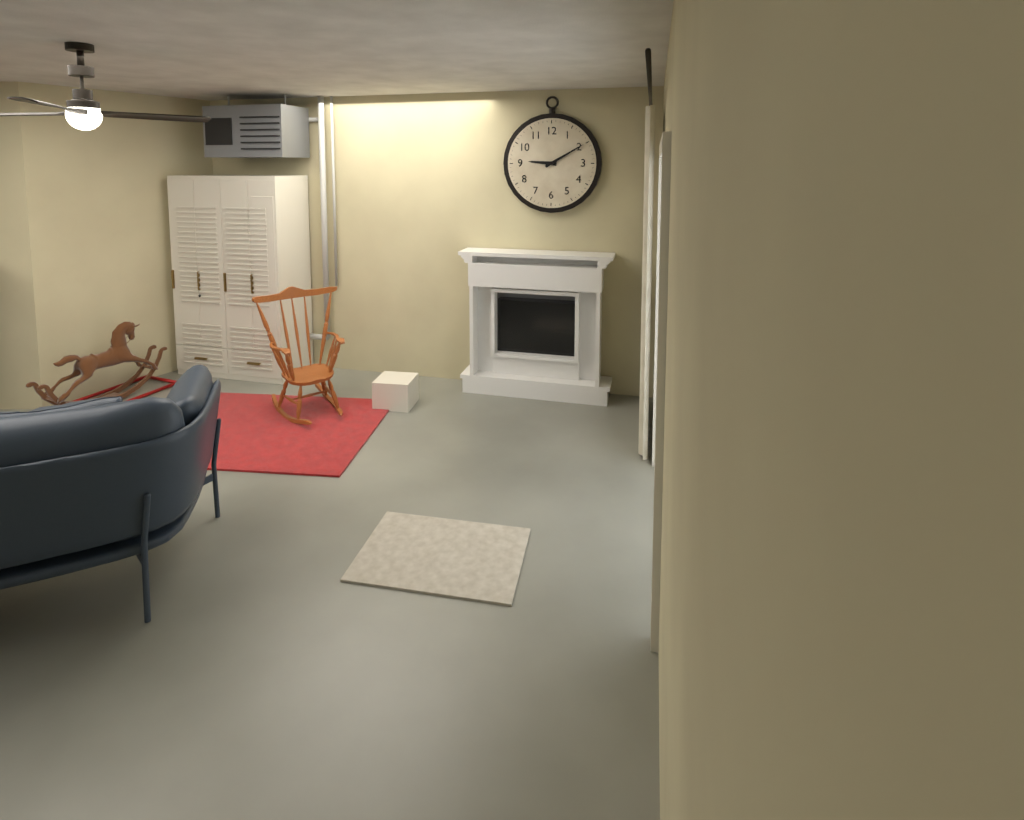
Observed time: **9:10**
